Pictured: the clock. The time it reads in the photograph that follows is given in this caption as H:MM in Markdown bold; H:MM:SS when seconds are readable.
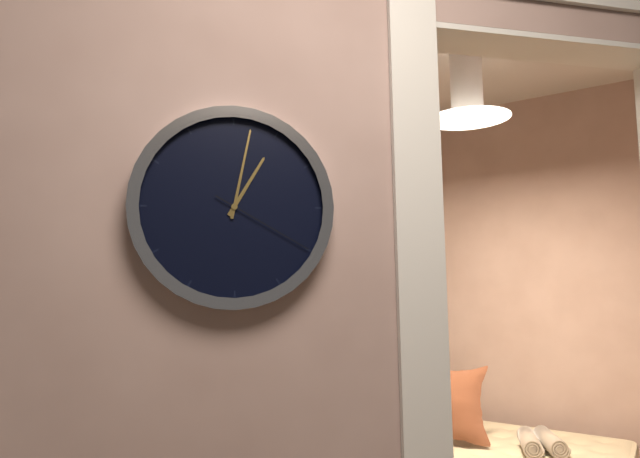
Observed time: **1:02:20**
